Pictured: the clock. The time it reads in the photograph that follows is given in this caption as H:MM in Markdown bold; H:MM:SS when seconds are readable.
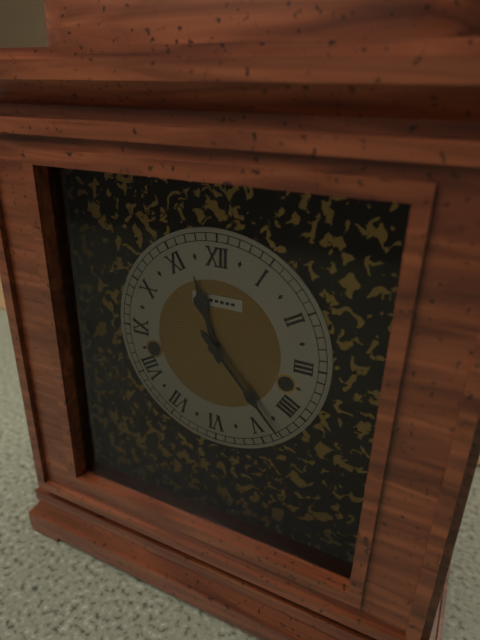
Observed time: **11:23**
